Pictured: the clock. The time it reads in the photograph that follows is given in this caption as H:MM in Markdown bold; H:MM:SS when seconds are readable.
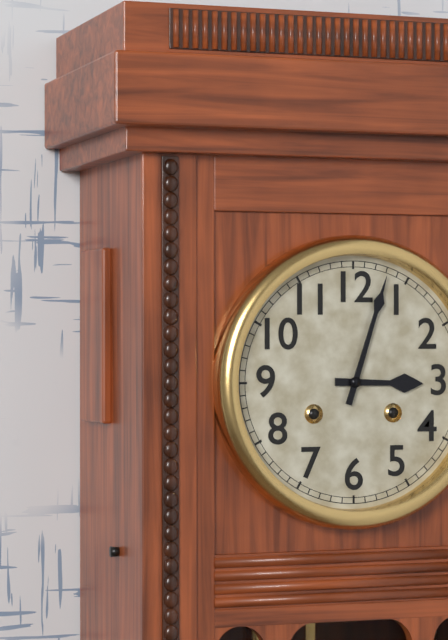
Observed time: **3:03**
